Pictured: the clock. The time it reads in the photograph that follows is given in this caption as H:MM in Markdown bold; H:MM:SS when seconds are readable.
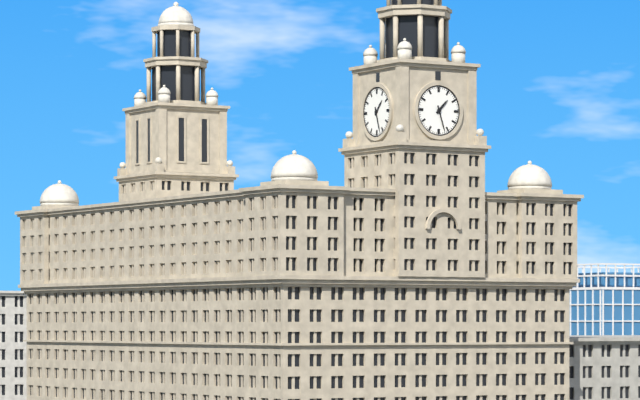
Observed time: **1:27**
